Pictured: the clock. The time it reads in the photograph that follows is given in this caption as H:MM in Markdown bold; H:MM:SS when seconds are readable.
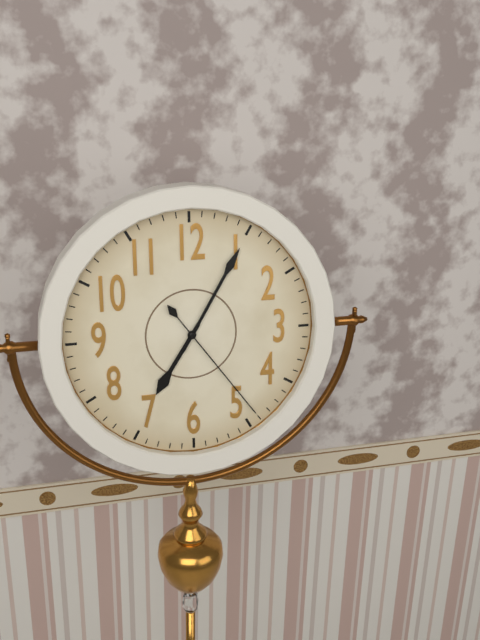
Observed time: **7:05:24**
